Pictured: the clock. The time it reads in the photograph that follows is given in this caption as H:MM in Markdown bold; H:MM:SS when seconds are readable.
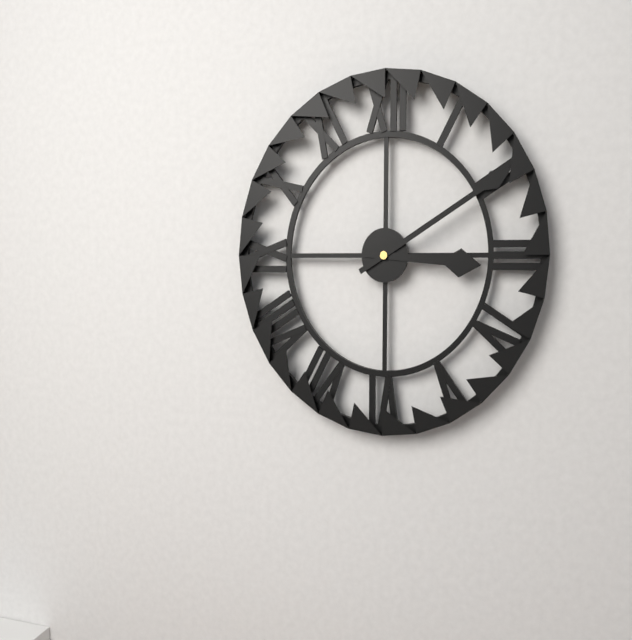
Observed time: **3:10**
